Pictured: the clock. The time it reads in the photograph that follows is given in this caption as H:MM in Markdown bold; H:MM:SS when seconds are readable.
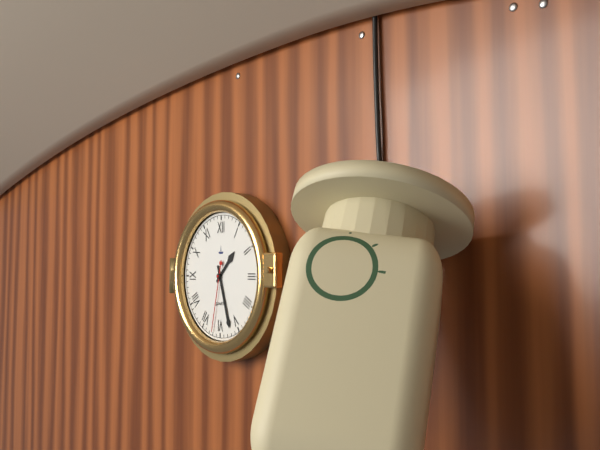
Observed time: **1:27:32**
